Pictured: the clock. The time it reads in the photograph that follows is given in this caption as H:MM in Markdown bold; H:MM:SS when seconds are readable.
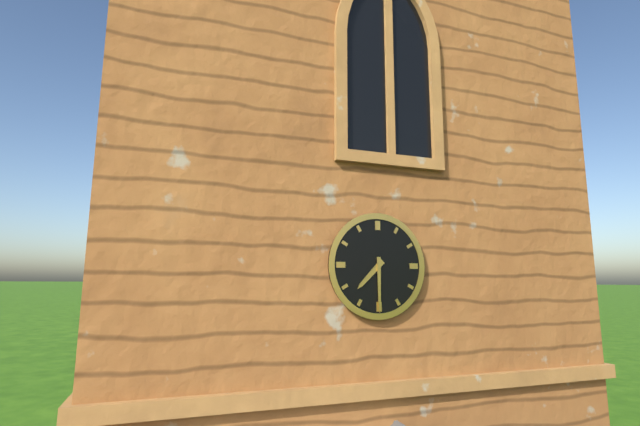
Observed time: **7:30**
